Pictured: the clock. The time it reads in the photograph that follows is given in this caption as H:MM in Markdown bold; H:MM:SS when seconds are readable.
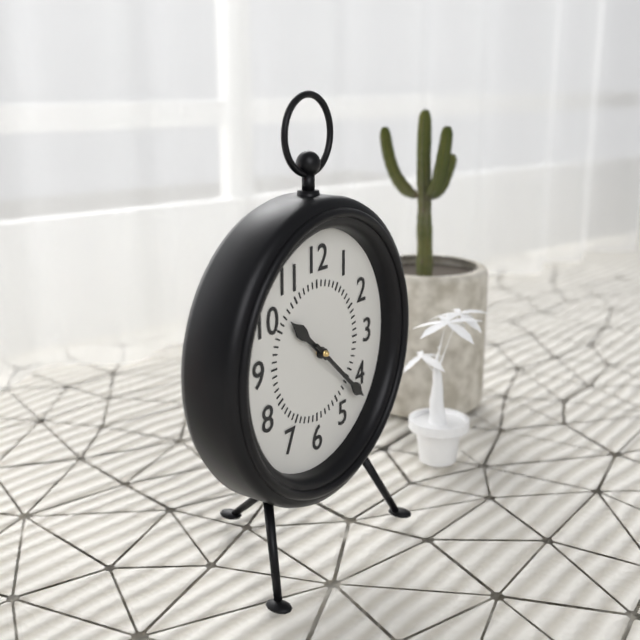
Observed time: **10:22**
